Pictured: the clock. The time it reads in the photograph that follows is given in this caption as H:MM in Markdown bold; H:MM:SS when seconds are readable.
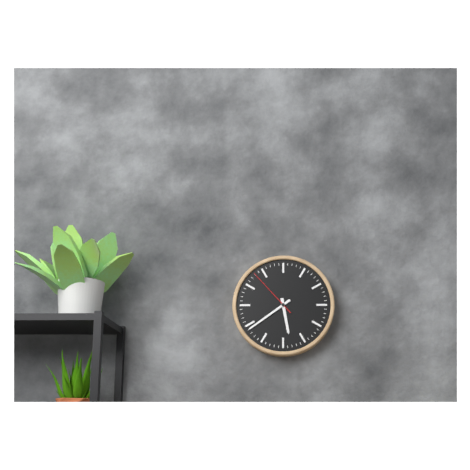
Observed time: **5:39:53**
